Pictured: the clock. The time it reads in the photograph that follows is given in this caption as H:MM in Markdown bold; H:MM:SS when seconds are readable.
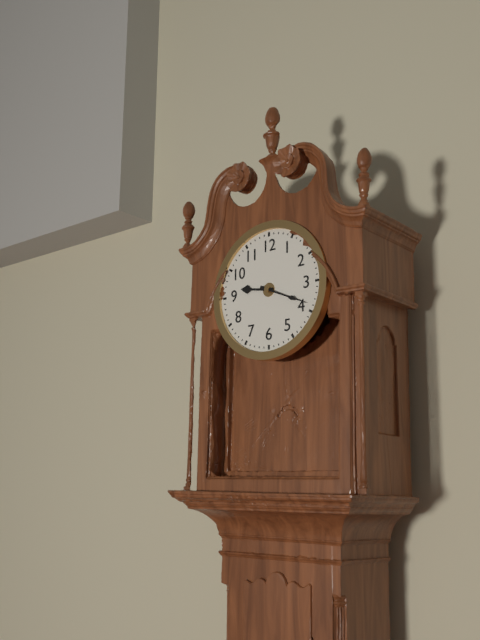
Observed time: **9:19**
